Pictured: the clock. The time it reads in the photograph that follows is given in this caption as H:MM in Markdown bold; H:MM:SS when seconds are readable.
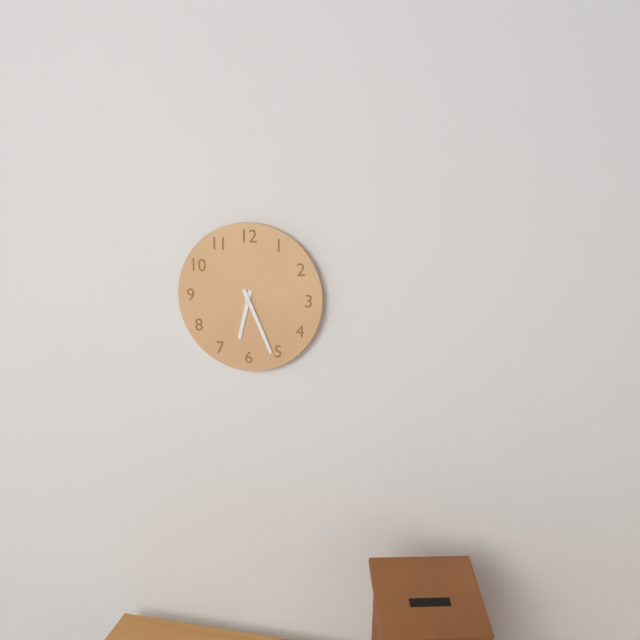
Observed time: **6:26**
